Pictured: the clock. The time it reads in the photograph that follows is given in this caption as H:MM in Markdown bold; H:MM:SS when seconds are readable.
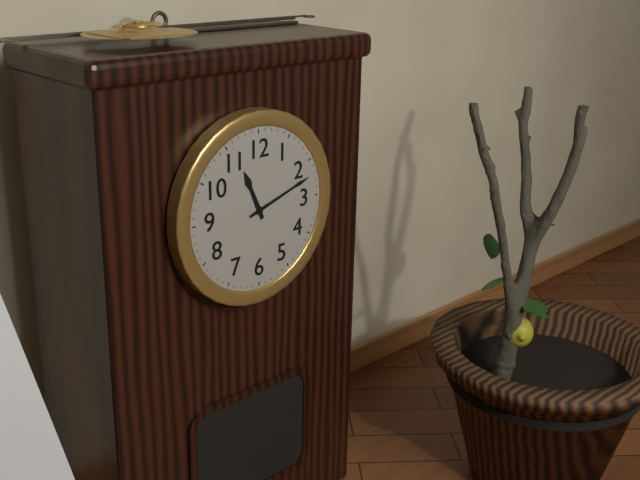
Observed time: **11:12**
